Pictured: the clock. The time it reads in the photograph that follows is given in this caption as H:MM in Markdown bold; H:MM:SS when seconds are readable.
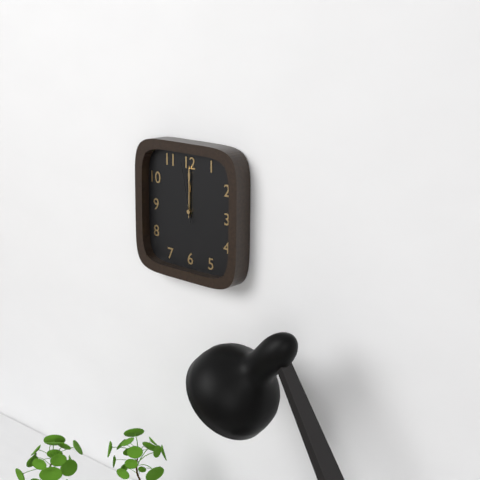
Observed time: **12:00:58**
